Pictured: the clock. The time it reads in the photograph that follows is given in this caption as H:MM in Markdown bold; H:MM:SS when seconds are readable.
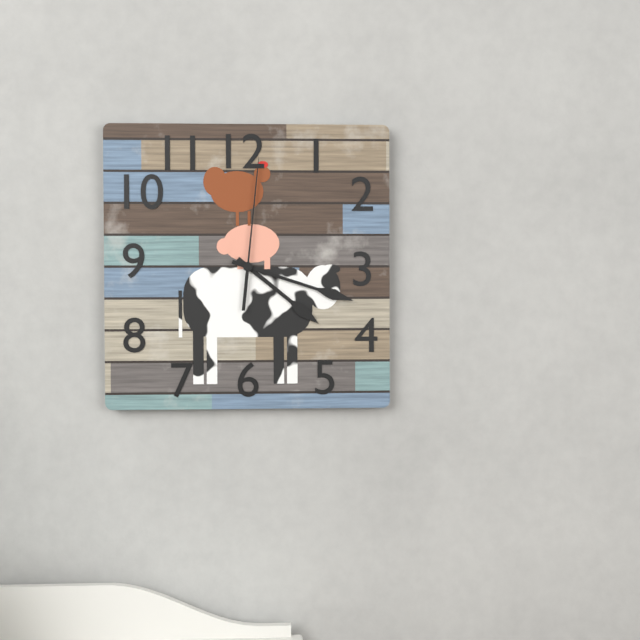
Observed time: **4:18:01**
